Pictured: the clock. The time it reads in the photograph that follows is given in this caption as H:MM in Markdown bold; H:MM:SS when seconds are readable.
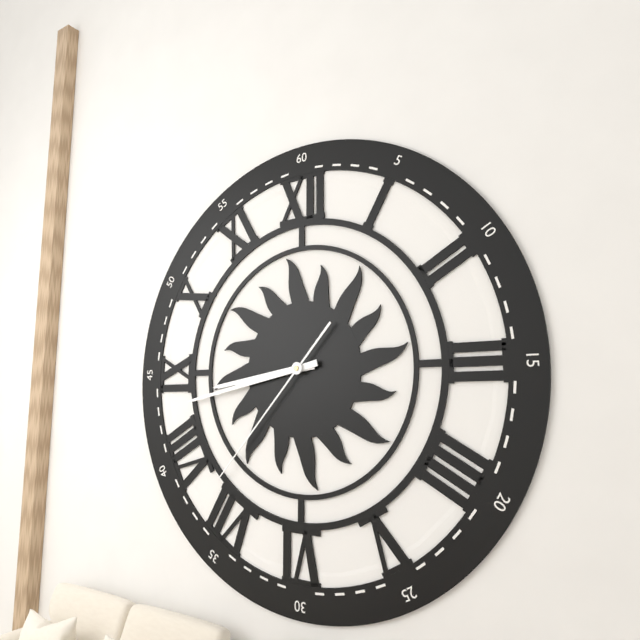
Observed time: **8:43:37**
